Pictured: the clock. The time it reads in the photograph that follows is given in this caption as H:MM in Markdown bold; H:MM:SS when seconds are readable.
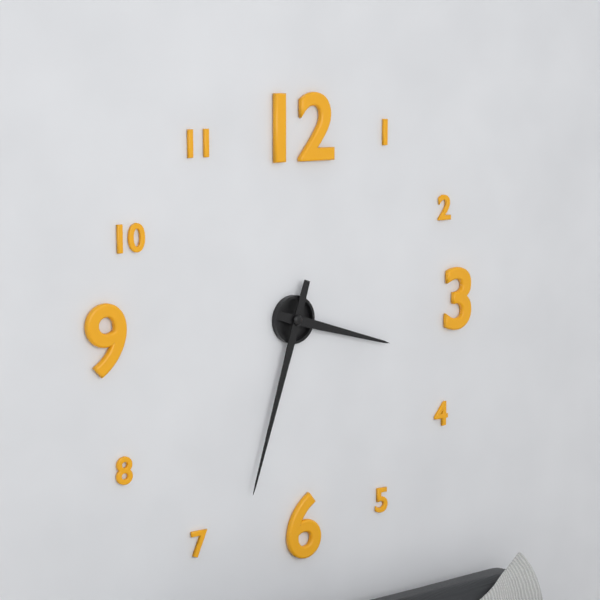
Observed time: **3:33**
